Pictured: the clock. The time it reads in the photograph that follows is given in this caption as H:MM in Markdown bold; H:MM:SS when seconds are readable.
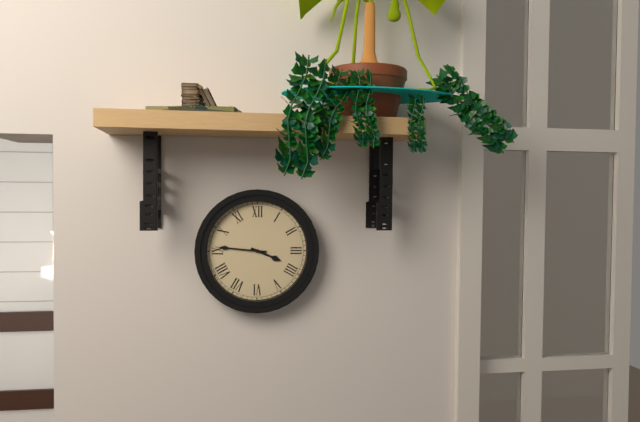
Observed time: **3:46**
